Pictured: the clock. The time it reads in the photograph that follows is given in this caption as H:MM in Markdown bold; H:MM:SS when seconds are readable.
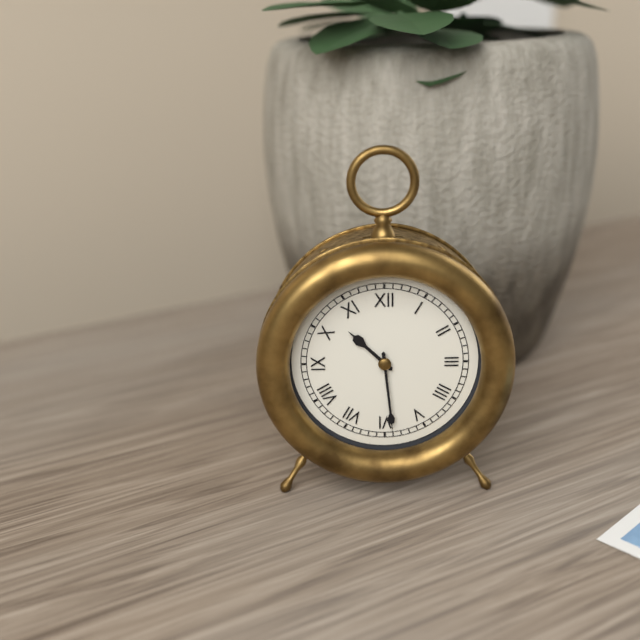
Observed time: **10:29**
